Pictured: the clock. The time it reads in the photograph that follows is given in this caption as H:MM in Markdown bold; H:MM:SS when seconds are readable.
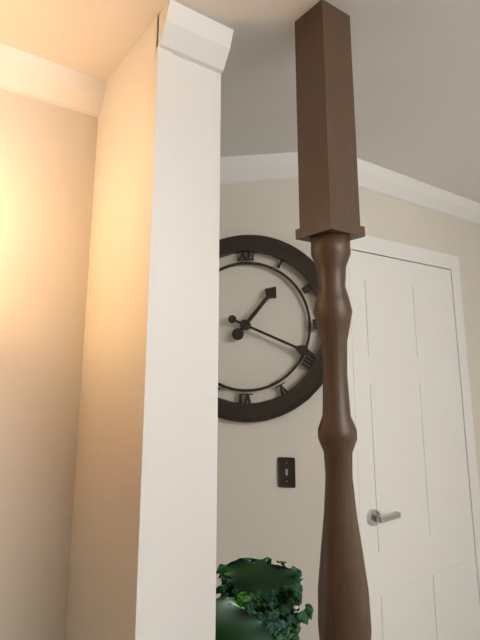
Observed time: **1:19**
